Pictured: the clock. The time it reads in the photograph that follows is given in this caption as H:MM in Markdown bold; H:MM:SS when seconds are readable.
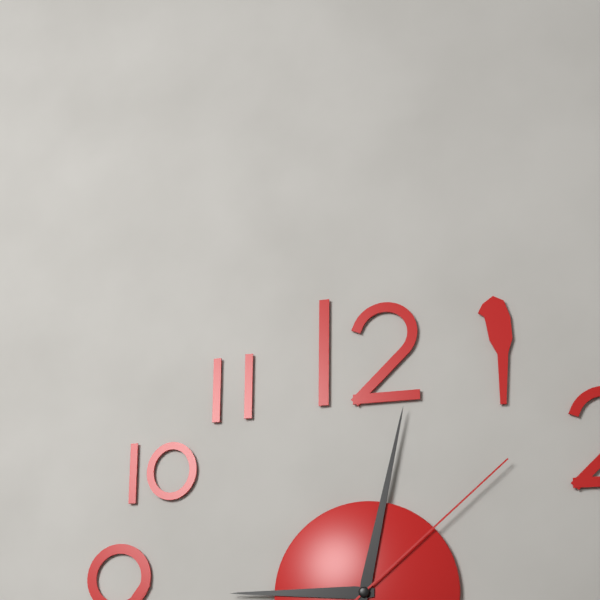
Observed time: **9:02:08**
